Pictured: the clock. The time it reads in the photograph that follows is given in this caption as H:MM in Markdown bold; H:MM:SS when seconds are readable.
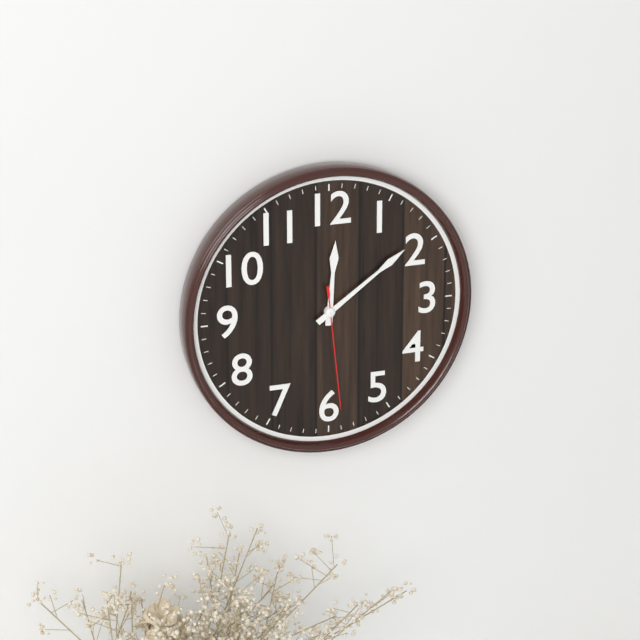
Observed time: **12:09:29**
